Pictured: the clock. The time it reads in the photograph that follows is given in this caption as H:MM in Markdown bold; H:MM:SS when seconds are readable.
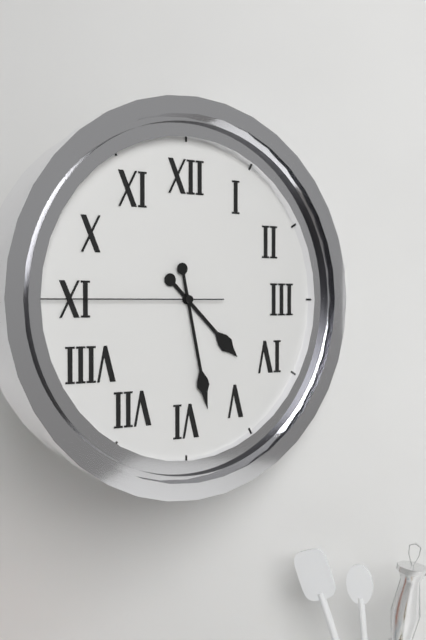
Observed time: **4:28:45**
